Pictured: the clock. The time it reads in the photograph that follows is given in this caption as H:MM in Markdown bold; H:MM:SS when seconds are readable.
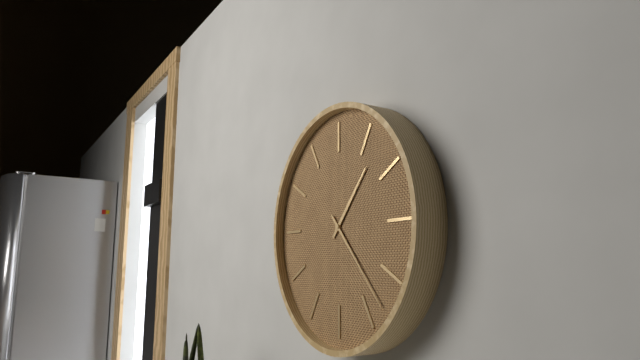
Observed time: **1:23**
